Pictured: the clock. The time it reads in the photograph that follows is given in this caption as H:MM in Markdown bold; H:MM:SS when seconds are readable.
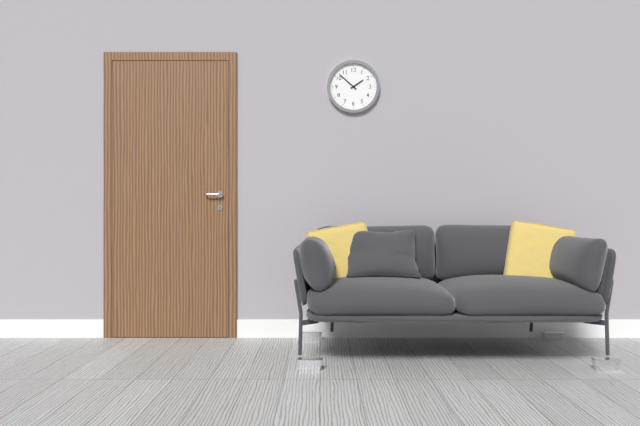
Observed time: **1:52**
